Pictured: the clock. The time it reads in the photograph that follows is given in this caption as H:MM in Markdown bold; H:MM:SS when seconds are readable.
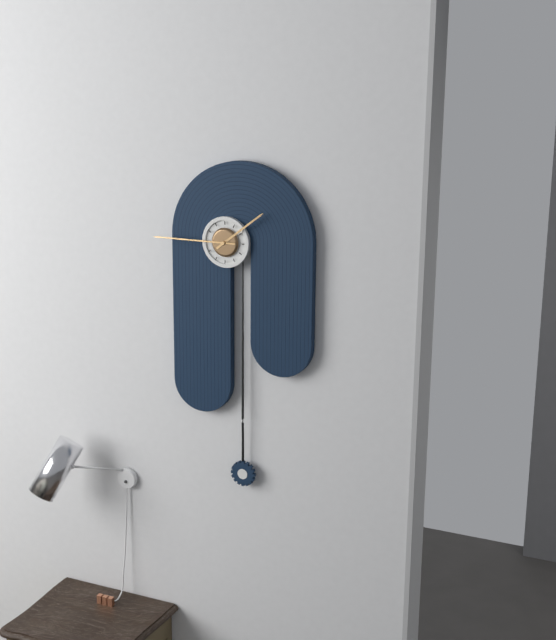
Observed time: **1:45**
